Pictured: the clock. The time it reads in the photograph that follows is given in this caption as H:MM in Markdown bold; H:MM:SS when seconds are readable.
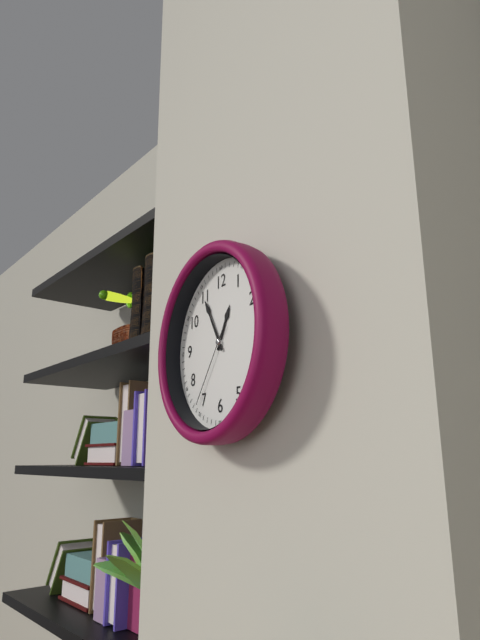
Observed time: **12:55:36**
